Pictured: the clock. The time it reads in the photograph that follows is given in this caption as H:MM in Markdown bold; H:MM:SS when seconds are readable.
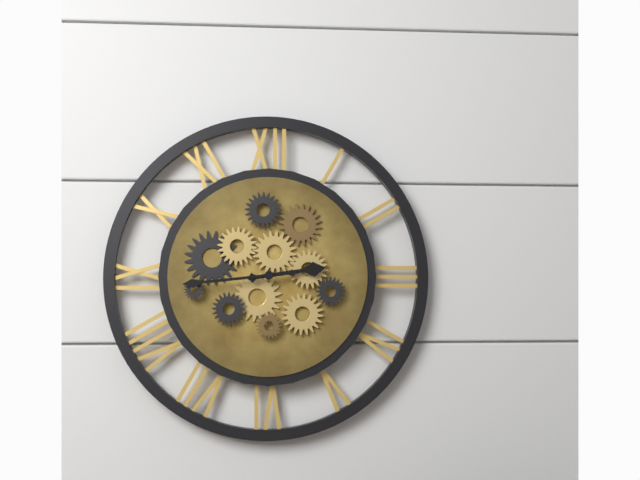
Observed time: **2:44**
